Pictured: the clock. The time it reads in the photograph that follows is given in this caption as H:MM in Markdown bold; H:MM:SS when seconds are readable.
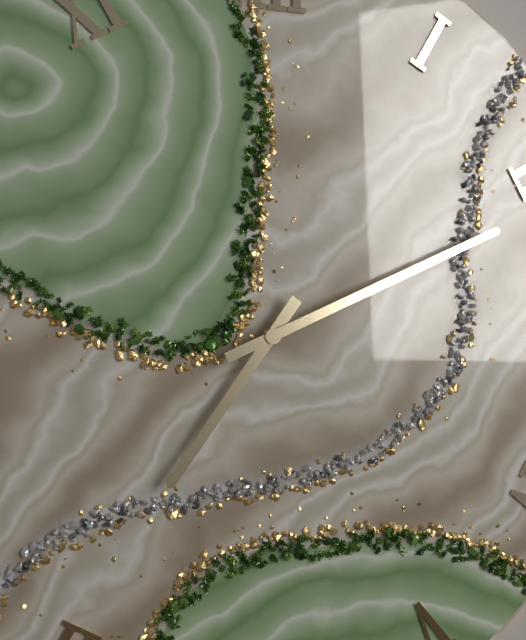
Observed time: **7:11**
